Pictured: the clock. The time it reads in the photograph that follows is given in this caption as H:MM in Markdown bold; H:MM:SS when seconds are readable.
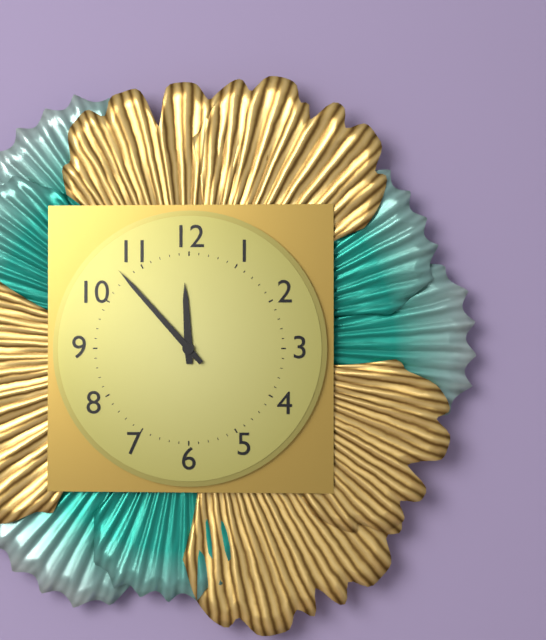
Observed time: **11:53**
